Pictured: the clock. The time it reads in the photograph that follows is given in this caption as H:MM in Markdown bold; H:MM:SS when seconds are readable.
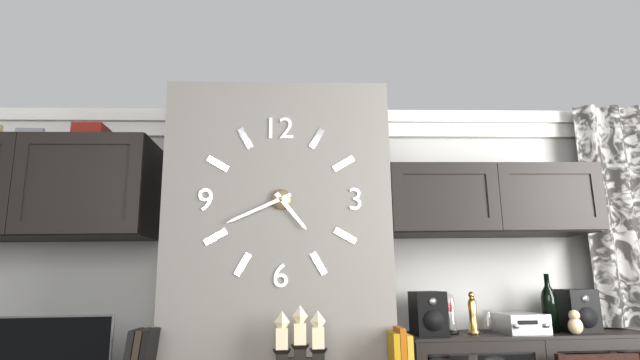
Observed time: **4:41**
